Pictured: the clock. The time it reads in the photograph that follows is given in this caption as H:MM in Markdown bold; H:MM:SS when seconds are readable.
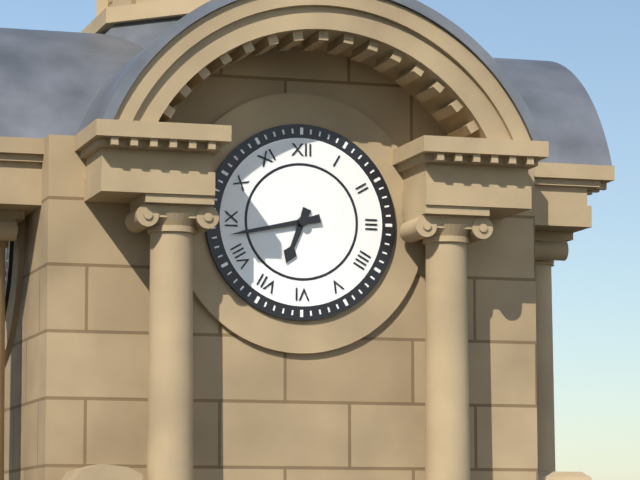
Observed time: **6:43**
